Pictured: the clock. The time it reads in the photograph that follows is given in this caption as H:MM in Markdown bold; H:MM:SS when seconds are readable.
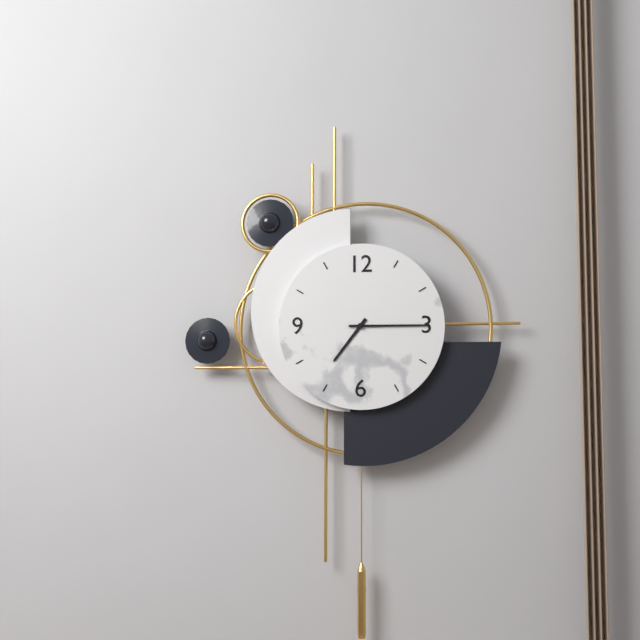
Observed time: **7:15**
